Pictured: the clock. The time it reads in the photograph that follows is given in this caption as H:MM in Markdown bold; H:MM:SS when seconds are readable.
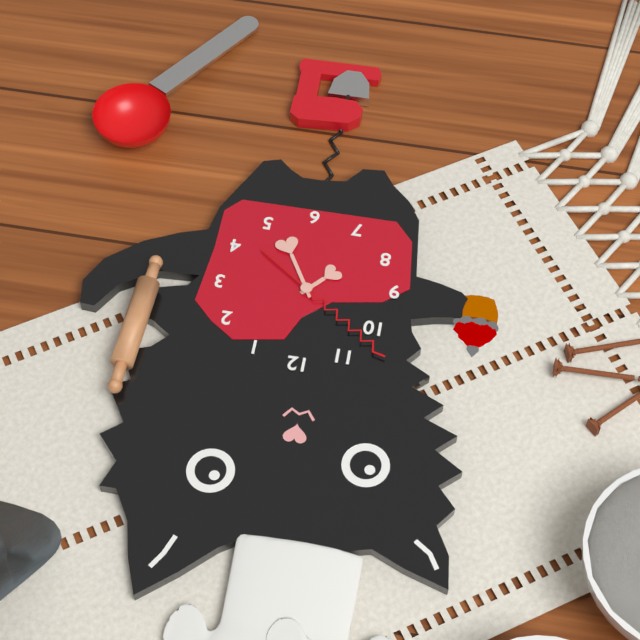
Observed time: **7:25:51**
